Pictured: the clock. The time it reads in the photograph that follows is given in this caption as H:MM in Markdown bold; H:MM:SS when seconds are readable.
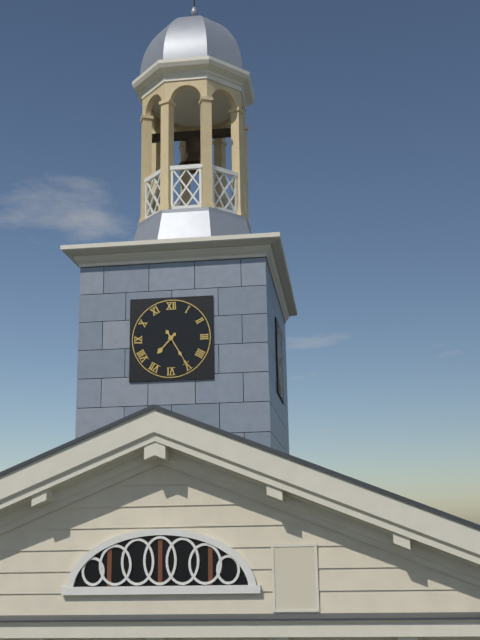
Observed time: **7:25**
